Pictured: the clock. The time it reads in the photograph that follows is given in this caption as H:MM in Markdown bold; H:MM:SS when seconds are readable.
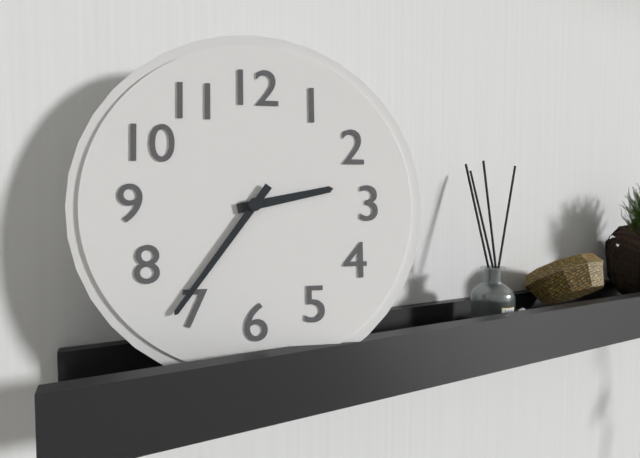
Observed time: **2:36**
